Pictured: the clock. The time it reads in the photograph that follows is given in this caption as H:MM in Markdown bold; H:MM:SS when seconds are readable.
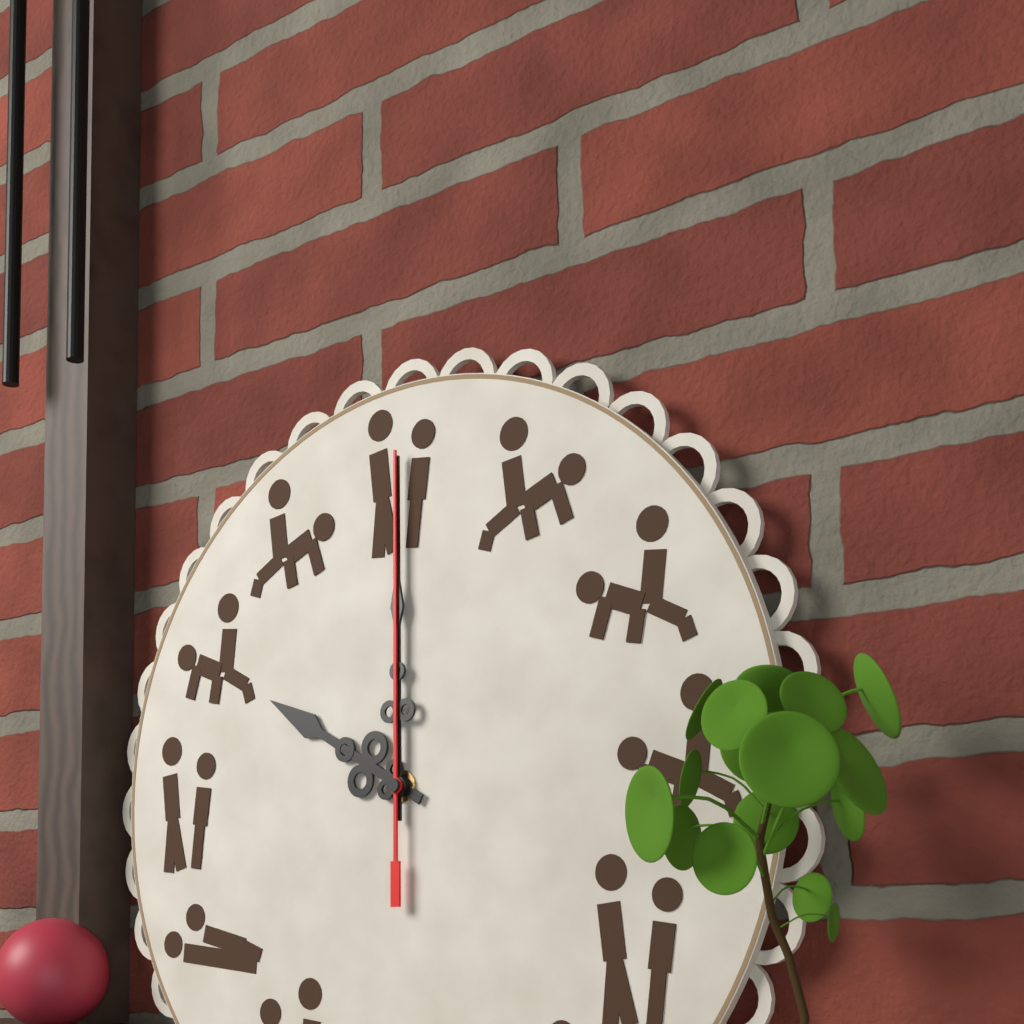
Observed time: **10:00:00**
